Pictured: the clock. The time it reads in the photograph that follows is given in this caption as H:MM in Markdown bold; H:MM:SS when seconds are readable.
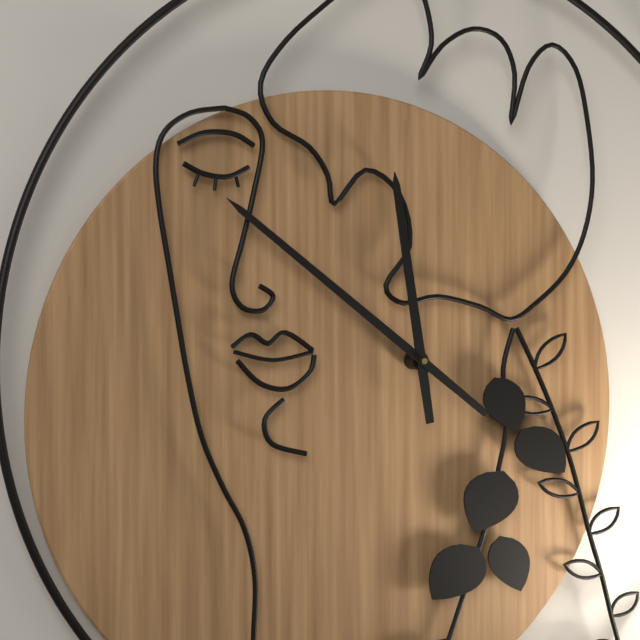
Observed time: **11:52**
